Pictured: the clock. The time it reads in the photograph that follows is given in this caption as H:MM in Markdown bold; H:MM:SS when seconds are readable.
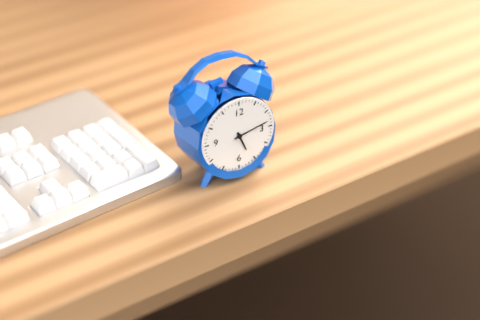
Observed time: **5:13**
